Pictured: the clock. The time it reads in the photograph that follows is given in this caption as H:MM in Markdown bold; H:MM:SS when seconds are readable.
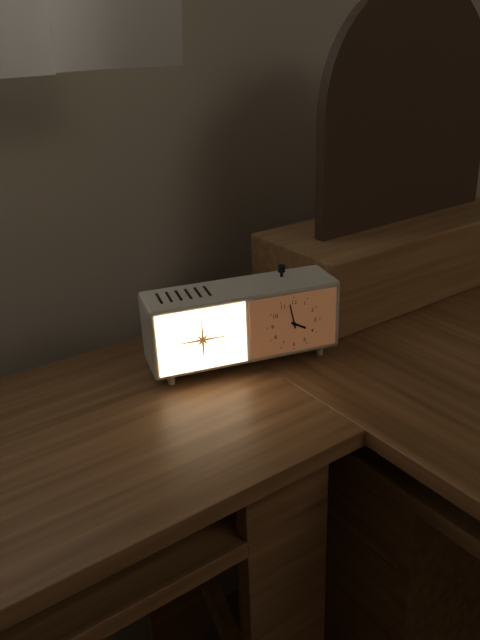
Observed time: **3:58**
